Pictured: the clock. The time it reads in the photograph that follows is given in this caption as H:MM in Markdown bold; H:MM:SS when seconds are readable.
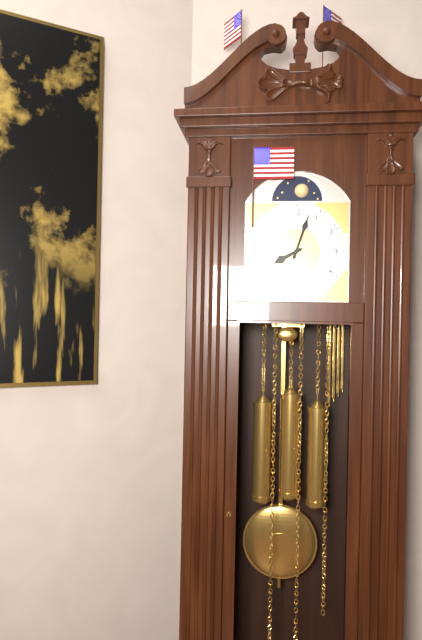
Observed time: **8:03**
